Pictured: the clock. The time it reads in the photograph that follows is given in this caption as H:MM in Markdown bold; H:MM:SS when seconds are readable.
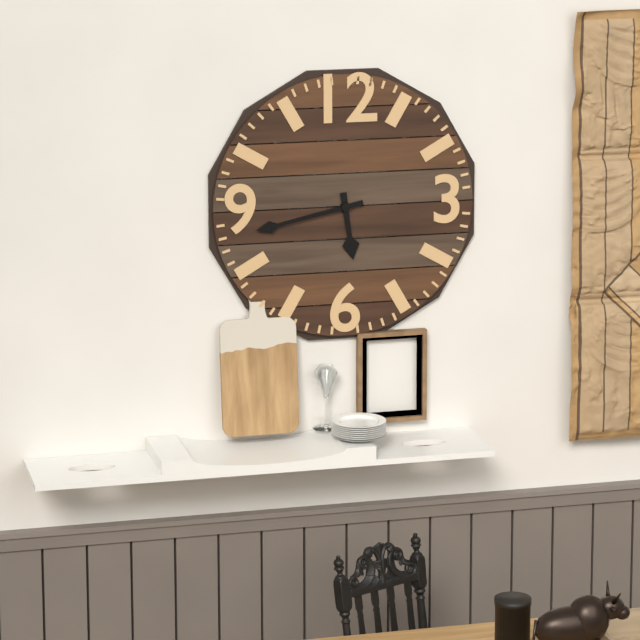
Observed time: **5:43**
